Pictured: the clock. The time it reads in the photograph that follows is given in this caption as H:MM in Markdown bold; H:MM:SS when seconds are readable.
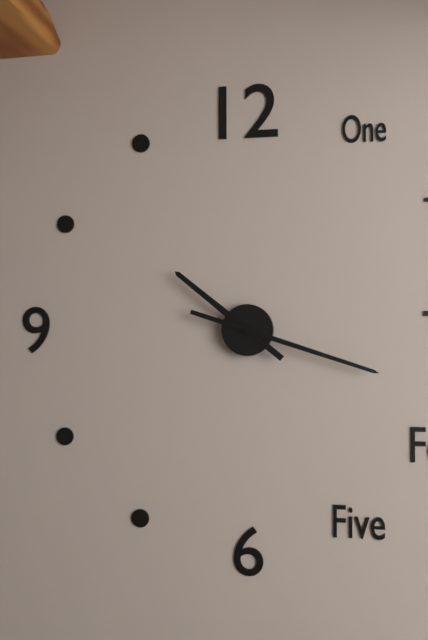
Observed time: **10:18**
